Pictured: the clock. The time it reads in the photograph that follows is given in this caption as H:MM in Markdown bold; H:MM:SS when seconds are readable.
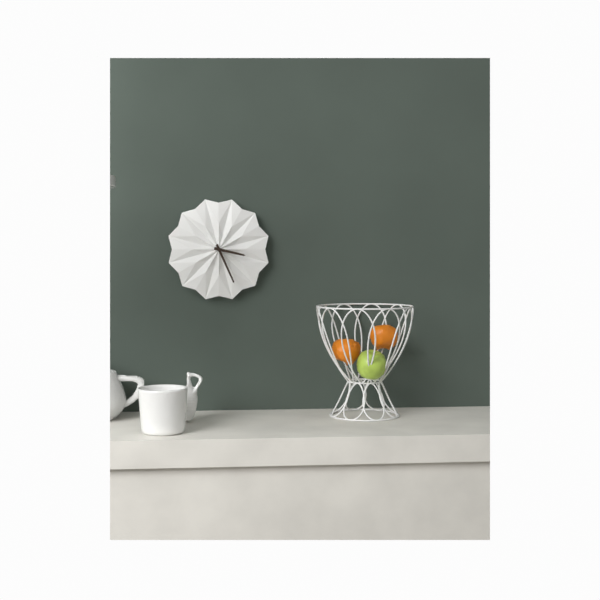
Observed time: **3:26**
